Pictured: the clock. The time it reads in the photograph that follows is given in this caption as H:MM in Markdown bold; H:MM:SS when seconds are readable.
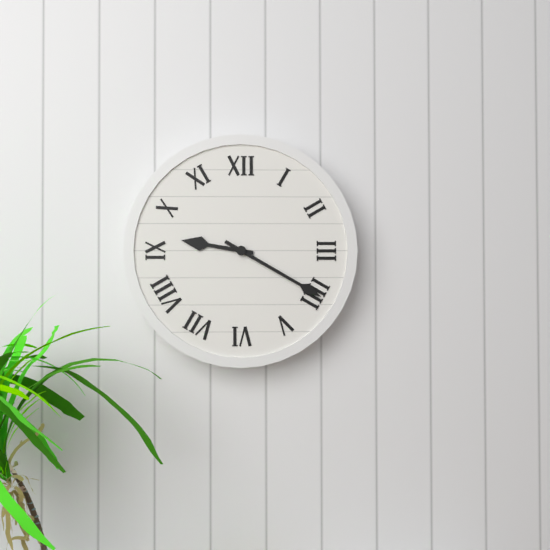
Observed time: **9:20**
